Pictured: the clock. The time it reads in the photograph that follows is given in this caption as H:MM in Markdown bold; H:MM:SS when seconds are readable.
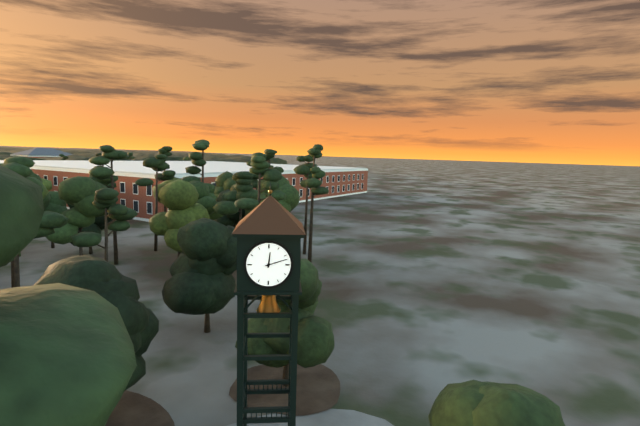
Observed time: **12:12**
